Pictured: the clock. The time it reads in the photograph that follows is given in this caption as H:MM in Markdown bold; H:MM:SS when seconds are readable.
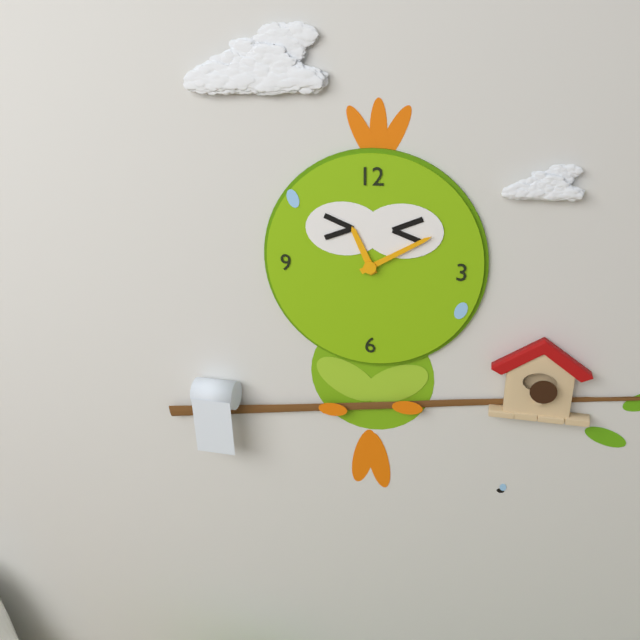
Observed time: **11:10**
